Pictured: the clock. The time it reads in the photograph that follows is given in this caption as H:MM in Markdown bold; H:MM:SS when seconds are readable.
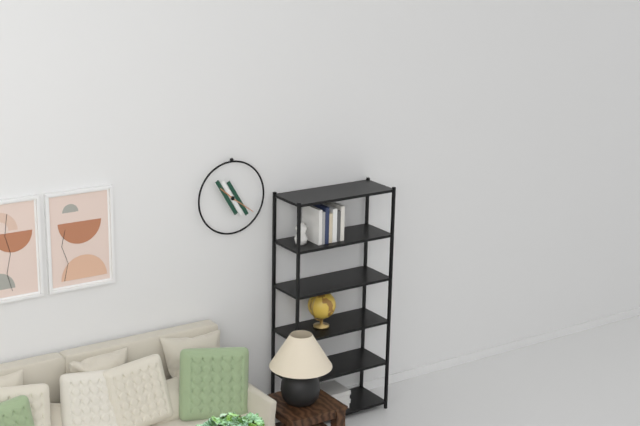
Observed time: **10:21**
